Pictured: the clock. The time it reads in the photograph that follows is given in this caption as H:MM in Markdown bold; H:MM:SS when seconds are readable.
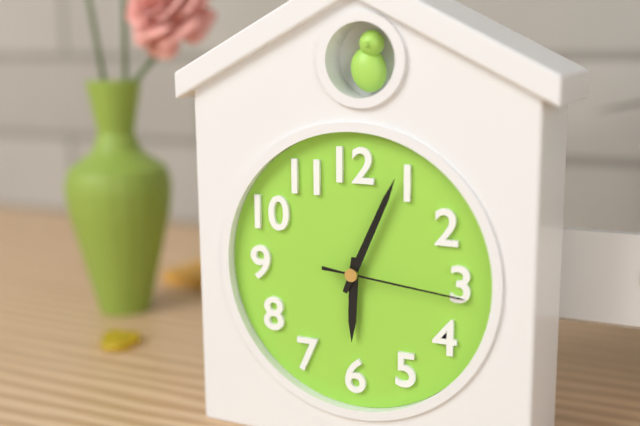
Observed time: **6:04:16**
